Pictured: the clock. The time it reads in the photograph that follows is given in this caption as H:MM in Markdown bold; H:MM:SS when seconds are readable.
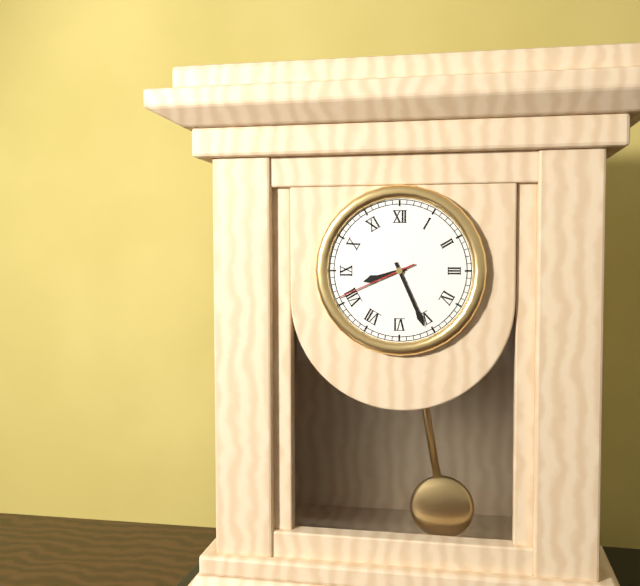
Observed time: **8:26:41**
